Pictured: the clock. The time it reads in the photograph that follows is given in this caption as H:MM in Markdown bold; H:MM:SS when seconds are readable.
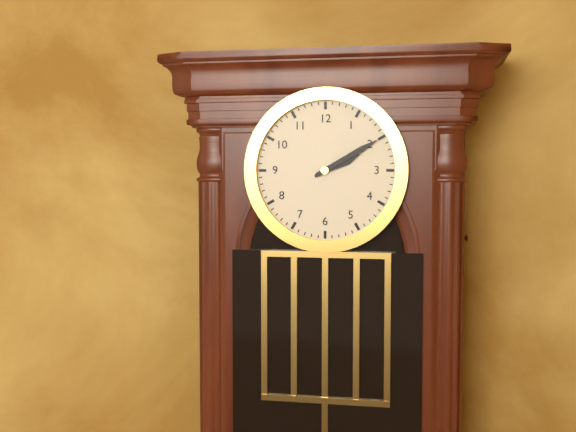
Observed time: **2:10**
